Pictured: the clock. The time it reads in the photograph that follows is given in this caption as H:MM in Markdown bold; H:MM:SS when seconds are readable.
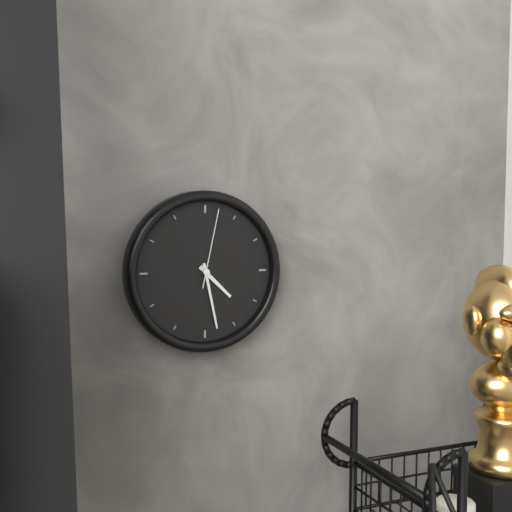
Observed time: **4:28:02**
